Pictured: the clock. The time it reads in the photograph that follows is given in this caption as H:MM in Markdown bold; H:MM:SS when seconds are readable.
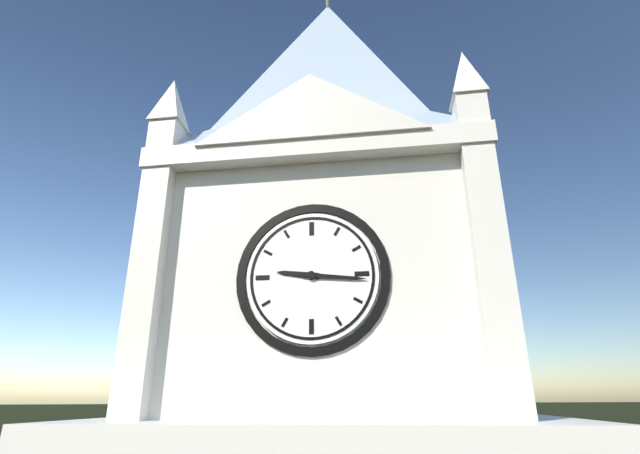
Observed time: **9:16**
